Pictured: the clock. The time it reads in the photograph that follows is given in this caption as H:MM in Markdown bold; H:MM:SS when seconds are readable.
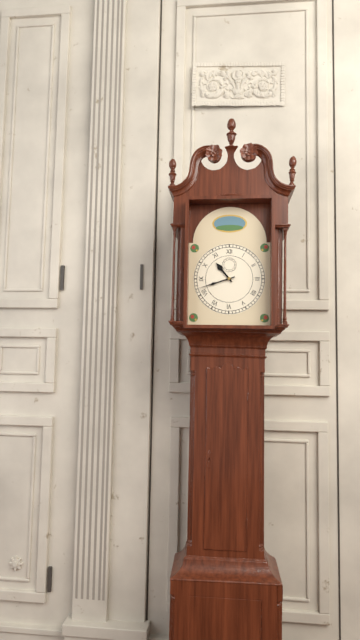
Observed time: **10:42**
